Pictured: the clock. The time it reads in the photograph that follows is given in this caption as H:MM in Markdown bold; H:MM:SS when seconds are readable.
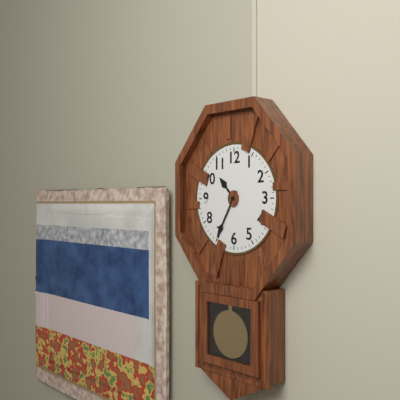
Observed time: **10:35**
